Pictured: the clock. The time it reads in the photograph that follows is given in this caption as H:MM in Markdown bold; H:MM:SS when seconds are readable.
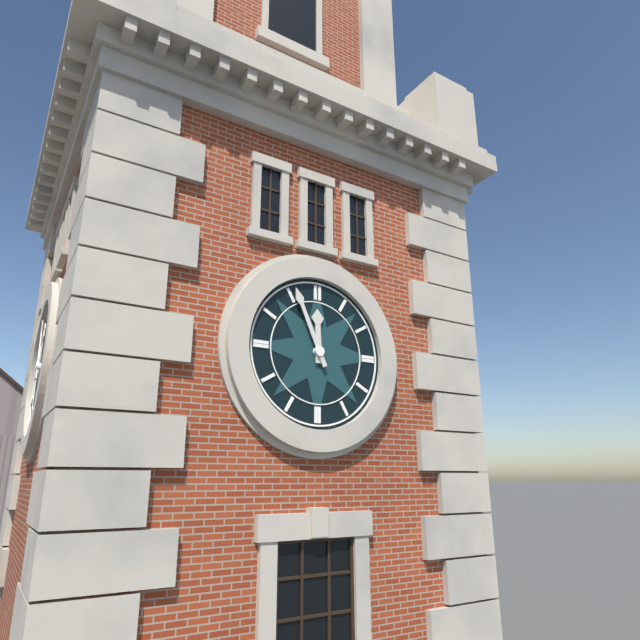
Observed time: **11:56**
